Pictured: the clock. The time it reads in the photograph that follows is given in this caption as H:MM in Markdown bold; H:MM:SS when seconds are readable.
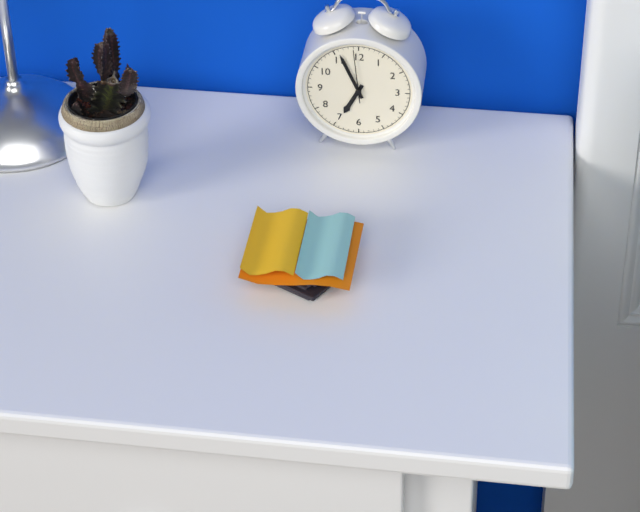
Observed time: **6:56:59**
